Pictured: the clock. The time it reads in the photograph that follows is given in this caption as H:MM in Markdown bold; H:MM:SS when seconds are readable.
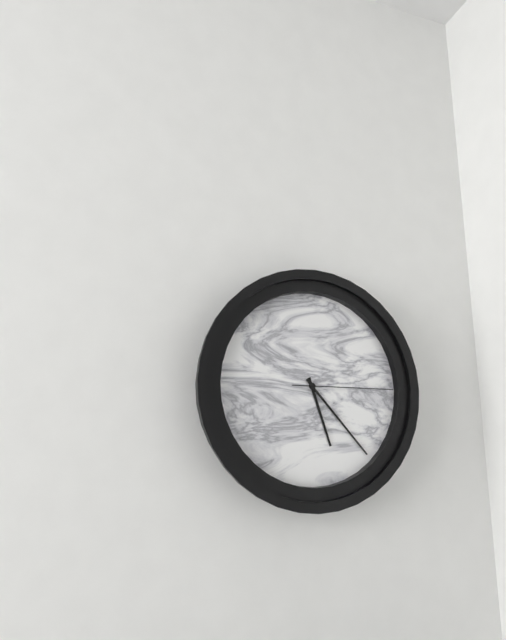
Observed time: **5:23:15**
